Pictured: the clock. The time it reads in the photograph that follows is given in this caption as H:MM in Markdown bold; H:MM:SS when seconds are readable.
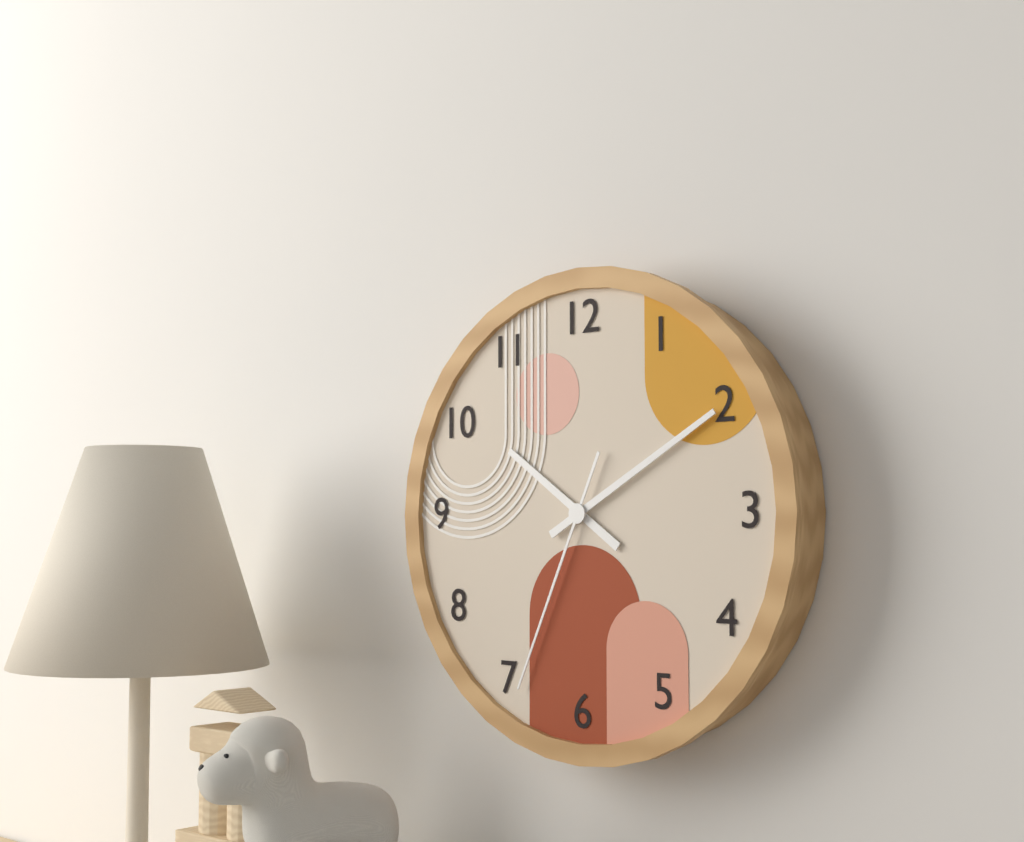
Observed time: **10:10:34**
